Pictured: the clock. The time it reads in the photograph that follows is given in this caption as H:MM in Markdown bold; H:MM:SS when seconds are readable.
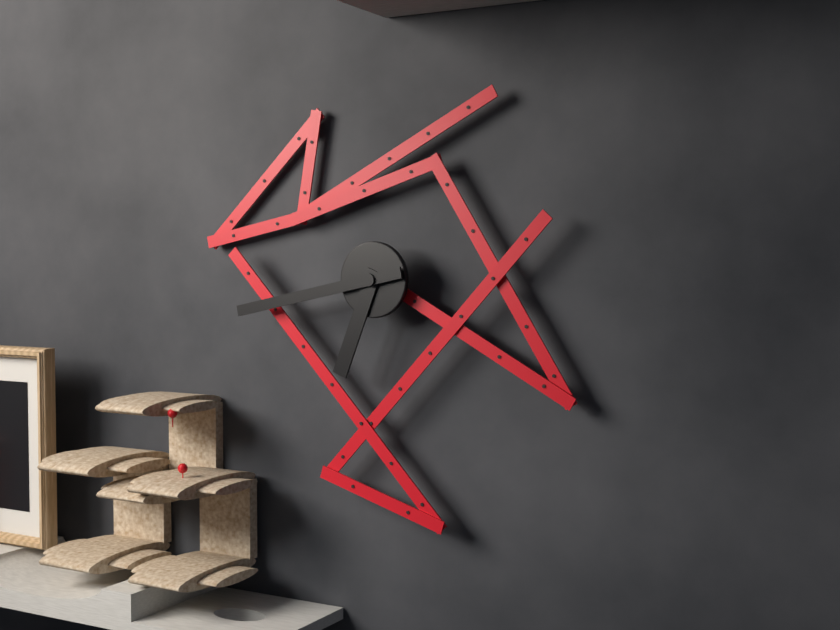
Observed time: **6:43**
